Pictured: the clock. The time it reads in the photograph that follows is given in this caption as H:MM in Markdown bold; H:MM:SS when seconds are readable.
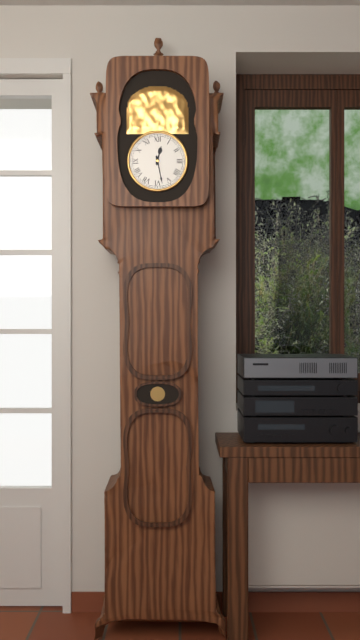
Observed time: **12:28**
